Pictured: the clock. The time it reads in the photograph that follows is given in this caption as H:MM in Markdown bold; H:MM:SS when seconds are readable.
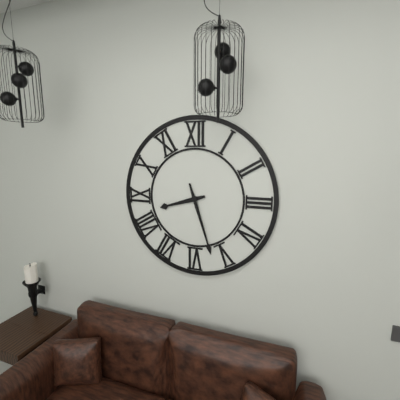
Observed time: **8:27**
